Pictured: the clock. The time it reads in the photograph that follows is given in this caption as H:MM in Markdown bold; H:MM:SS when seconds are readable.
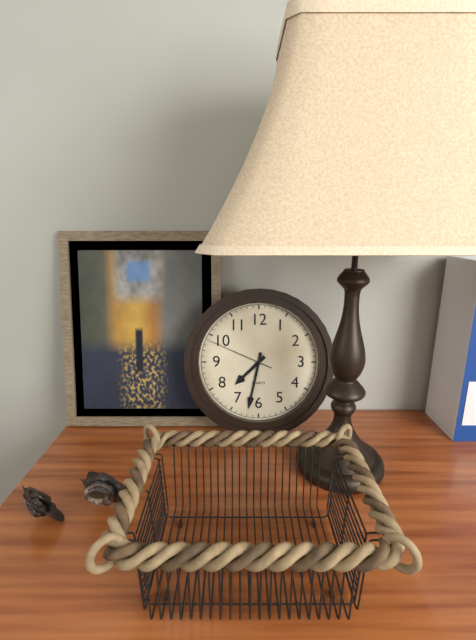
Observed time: **7:32:49**
